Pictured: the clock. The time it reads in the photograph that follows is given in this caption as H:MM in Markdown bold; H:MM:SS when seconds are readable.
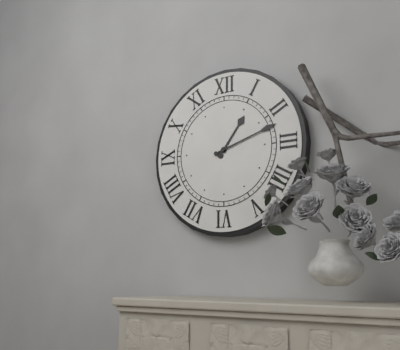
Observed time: **1:12**
